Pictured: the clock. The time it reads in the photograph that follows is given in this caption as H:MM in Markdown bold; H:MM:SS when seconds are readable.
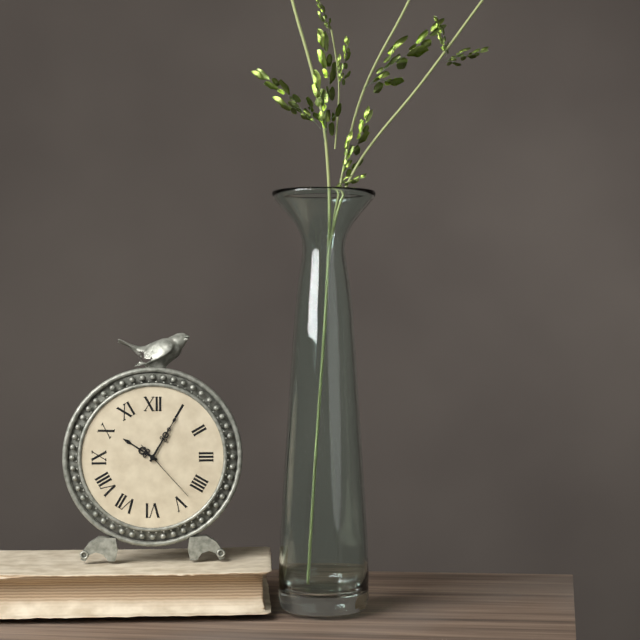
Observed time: **10:05:23**
